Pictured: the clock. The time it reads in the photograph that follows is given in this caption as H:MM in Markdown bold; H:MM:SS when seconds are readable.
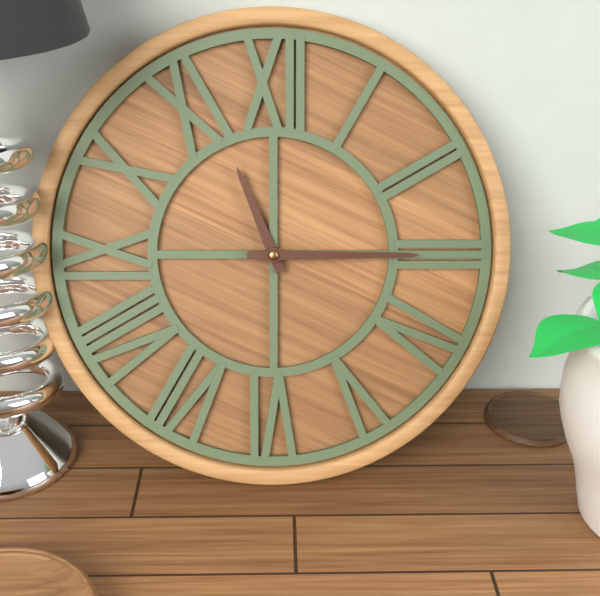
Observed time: **11:15**
